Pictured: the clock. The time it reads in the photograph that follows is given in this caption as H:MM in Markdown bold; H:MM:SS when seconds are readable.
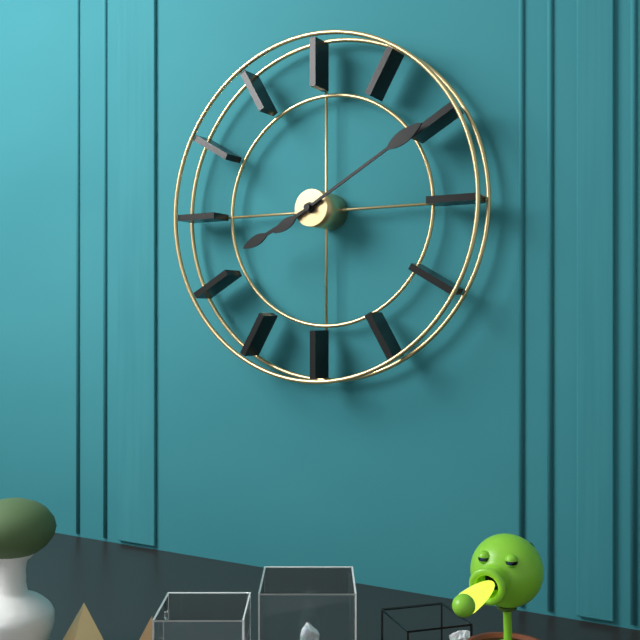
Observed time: **8:10**
